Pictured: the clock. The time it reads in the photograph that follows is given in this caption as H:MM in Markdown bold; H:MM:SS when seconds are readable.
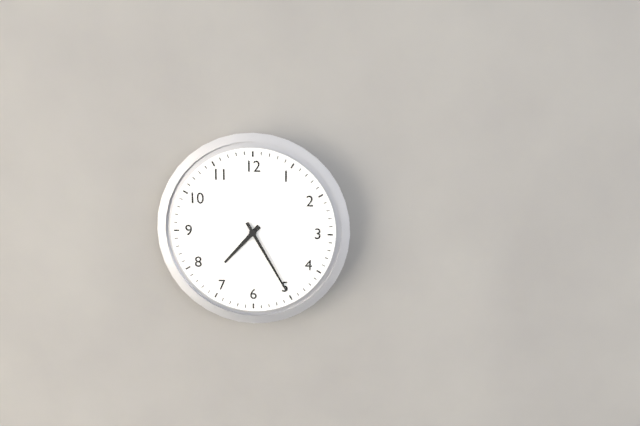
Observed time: **7:25**
